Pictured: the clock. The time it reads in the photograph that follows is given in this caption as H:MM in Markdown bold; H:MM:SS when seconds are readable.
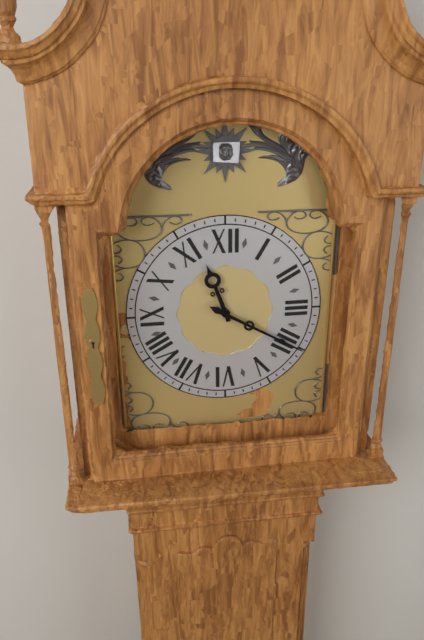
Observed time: **11:20**
